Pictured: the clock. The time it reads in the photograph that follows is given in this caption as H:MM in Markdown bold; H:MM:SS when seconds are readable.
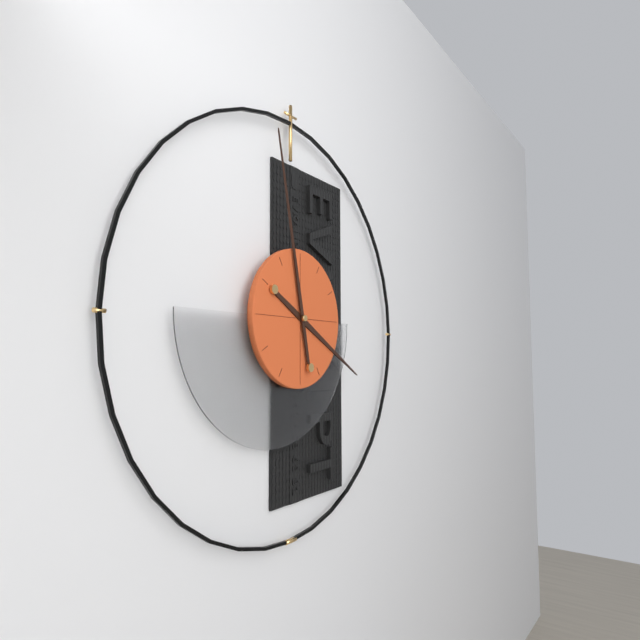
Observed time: **3:58**
